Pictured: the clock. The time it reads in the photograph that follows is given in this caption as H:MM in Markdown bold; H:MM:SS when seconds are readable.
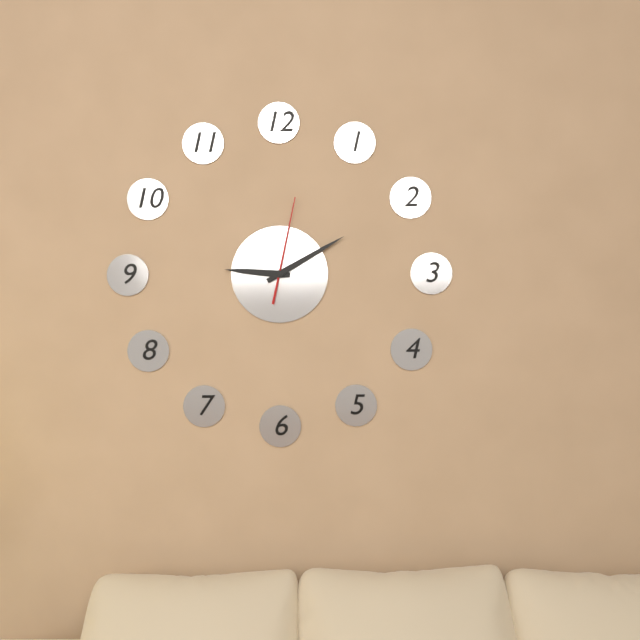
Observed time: **9:10:02**
